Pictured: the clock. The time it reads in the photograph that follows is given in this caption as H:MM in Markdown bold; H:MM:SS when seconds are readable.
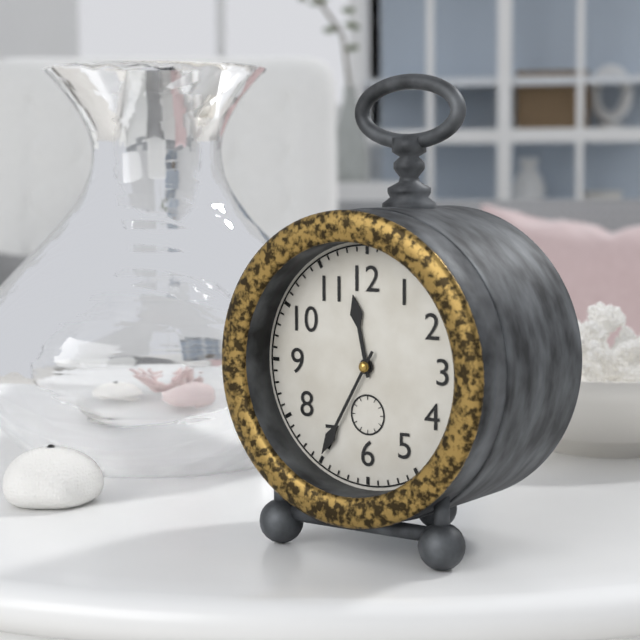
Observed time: **11:35**
